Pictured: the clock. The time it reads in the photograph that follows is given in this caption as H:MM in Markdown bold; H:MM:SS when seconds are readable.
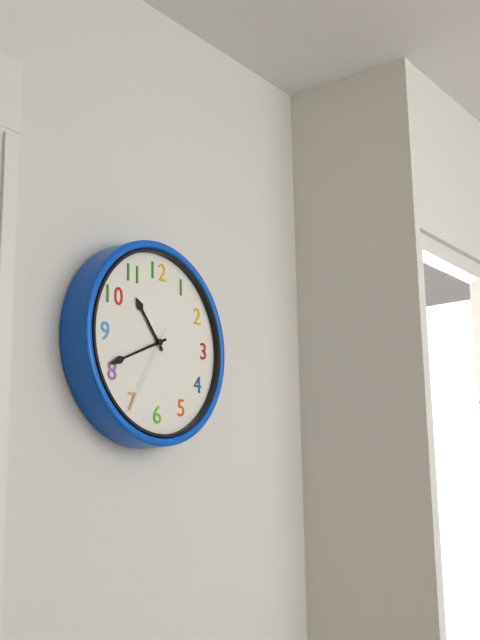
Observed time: **10:41:35**
